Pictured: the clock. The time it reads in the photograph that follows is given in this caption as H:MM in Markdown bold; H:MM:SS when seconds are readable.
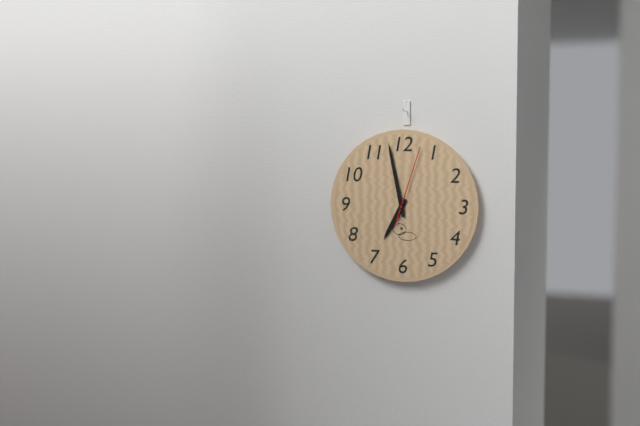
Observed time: **6:58:03**
